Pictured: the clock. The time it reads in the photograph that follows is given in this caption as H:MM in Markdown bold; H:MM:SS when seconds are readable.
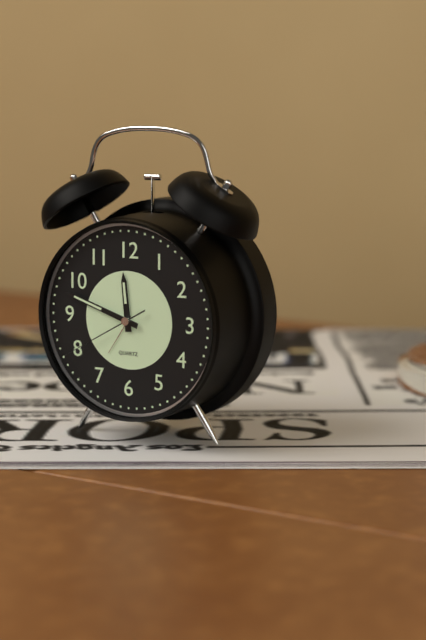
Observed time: **11:48:40**
